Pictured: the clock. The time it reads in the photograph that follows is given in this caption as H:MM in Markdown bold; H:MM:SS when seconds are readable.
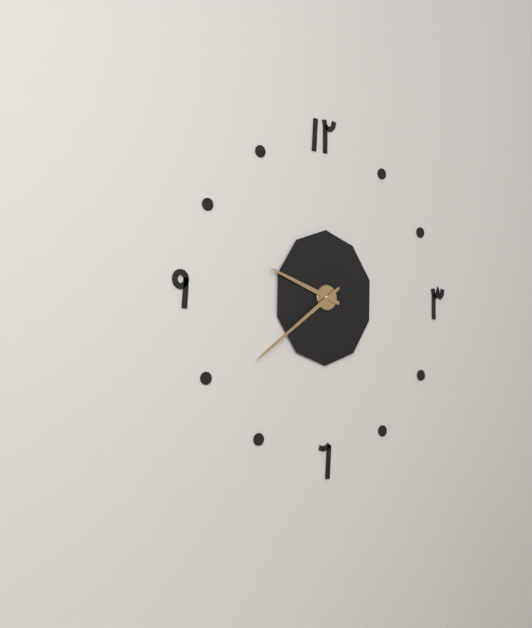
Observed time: **9:39**
